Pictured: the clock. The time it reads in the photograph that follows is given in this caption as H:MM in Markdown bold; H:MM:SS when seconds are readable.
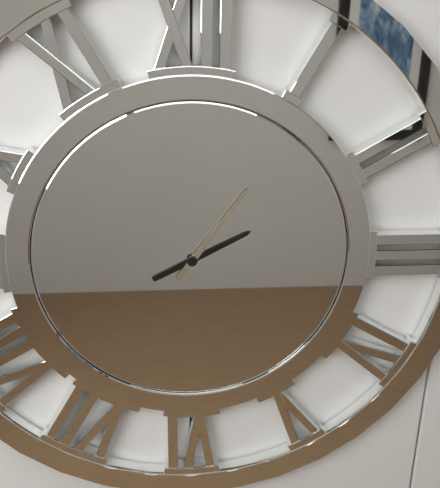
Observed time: **2:06**
